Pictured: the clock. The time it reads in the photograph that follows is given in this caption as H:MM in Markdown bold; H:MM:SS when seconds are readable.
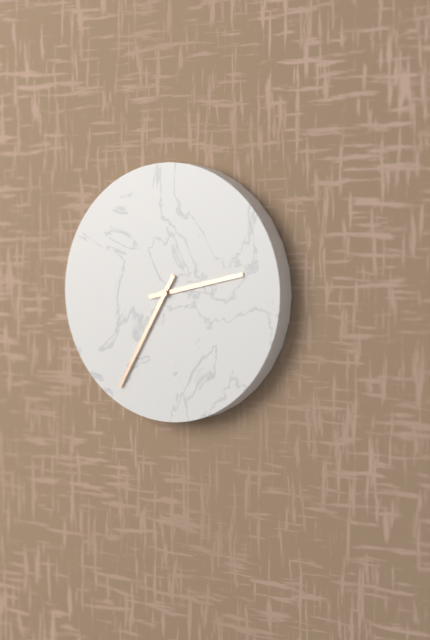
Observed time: **2:35**
